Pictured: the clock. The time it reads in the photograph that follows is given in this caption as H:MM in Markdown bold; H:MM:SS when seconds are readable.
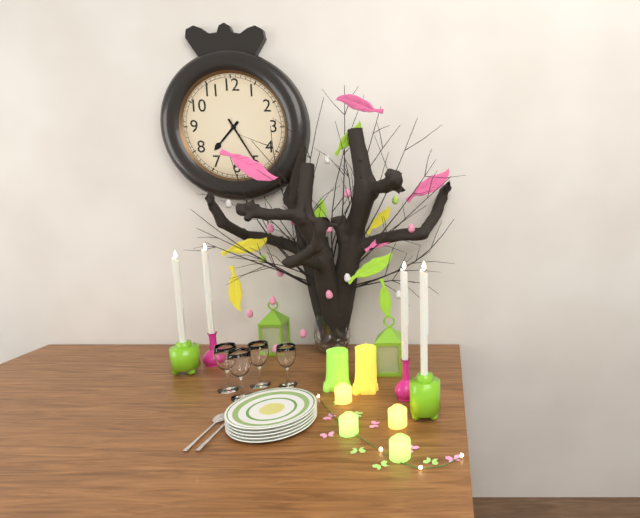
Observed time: **7:25**
